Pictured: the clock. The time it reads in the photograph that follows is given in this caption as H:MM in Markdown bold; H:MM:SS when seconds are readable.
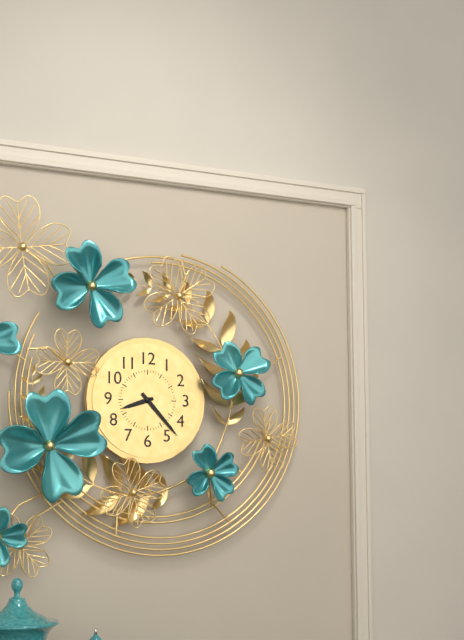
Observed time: **8:23**
